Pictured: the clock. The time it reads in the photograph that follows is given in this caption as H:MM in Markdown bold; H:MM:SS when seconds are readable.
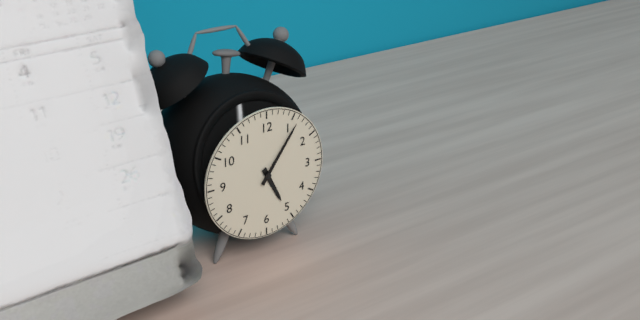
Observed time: **5:06**
